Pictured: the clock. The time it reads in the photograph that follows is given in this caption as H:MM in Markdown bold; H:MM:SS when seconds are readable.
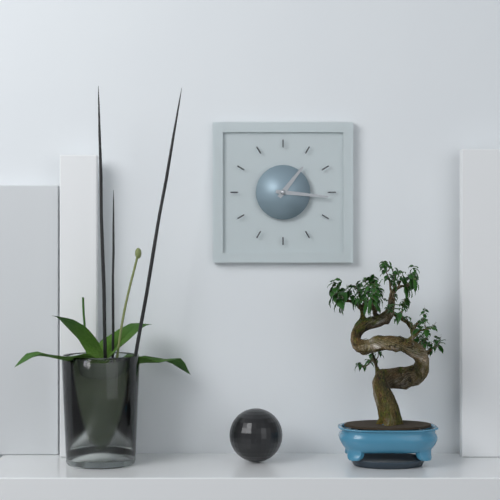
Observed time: **1:16**
